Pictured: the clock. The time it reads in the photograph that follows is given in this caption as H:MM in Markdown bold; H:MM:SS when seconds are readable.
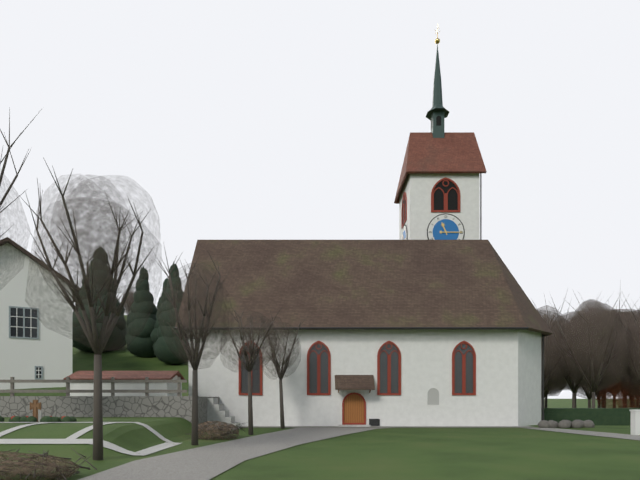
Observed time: **11:15**
